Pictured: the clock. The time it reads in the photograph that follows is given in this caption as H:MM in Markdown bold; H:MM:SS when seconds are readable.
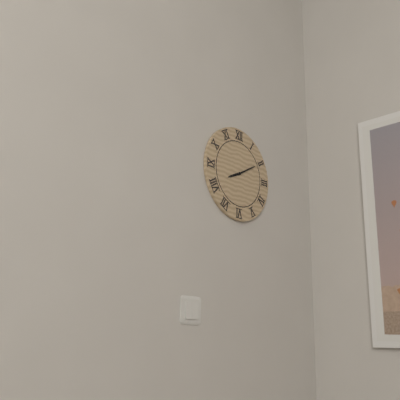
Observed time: **8:10**
